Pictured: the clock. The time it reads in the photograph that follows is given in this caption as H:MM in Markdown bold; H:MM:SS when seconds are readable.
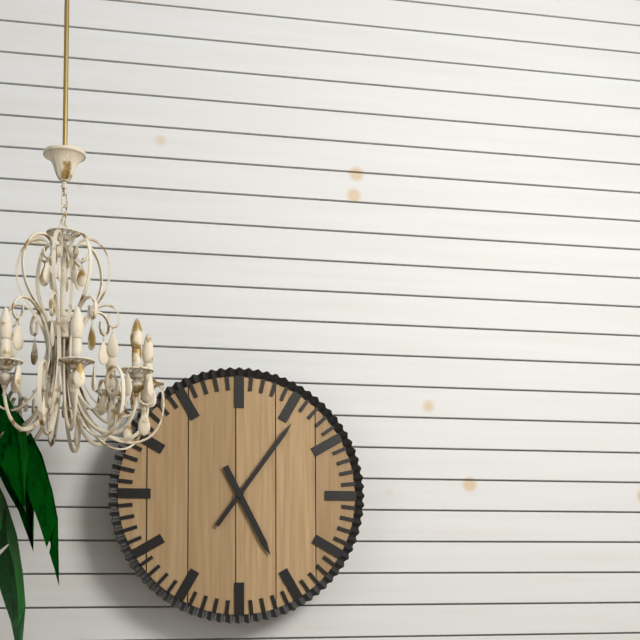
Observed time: **5:06**
